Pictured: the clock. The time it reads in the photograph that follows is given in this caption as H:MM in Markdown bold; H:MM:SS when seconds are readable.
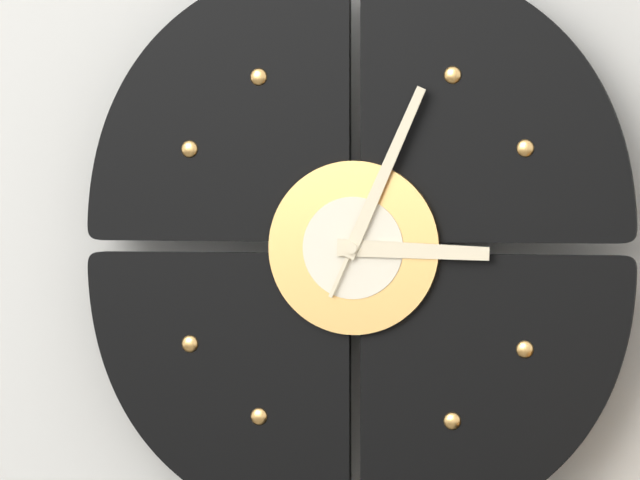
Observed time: **3:04**
